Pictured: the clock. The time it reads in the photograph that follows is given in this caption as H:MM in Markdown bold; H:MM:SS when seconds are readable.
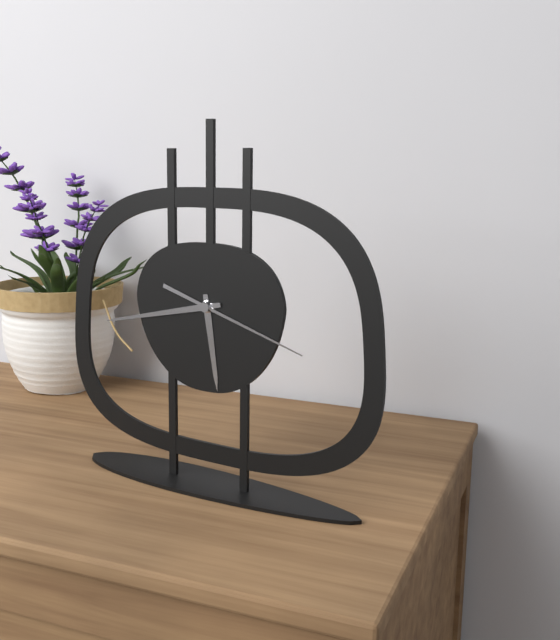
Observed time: **5:43:18**
